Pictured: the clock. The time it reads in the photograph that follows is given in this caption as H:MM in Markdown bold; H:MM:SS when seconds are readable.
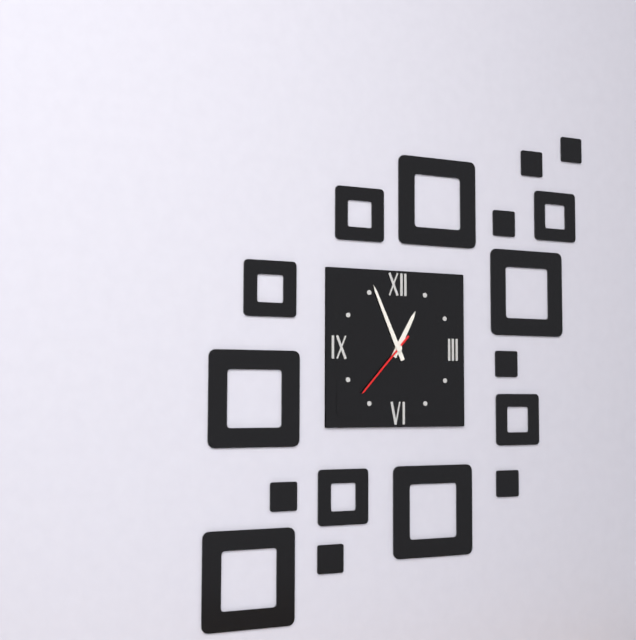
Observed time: **12:56:37**
